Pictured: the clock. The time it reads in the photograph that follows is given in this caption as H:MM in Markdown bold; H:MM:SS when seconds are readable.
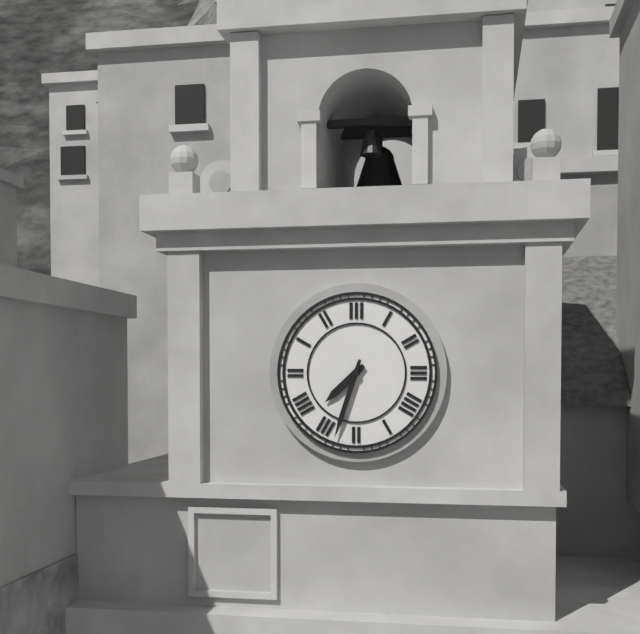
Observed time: **7:33**
